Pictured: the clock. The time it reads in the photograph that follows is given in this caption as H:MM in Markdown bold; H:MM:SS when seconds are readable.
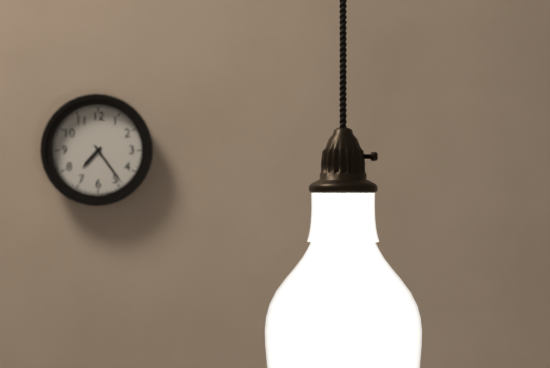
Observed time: **7:24**
